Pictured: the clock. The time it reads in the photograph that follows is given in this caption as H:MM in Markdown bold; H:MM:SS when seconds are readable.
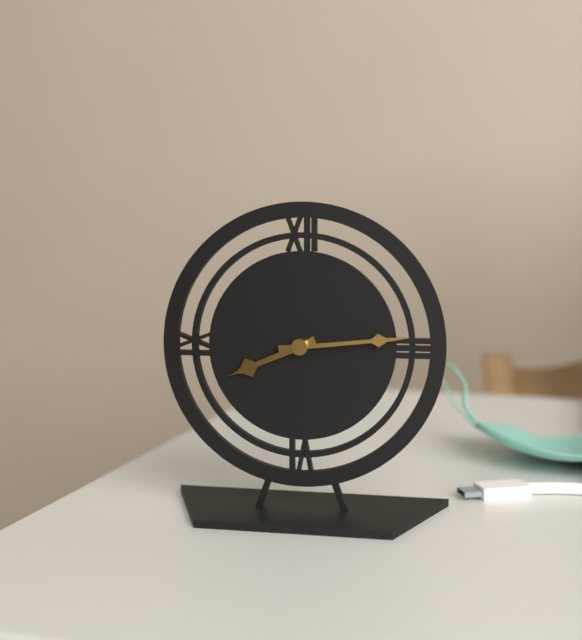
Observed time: **8:14**
